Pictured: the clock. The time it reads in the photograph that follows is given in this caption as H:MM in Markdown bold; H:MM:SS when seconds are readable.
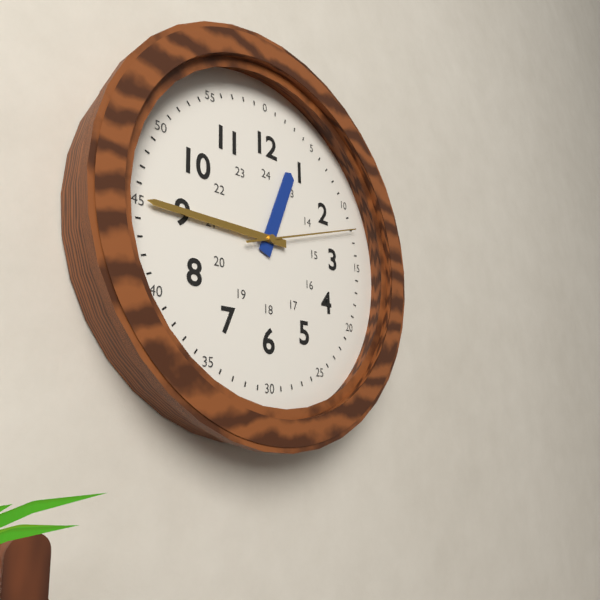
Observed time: **12:45:12**
